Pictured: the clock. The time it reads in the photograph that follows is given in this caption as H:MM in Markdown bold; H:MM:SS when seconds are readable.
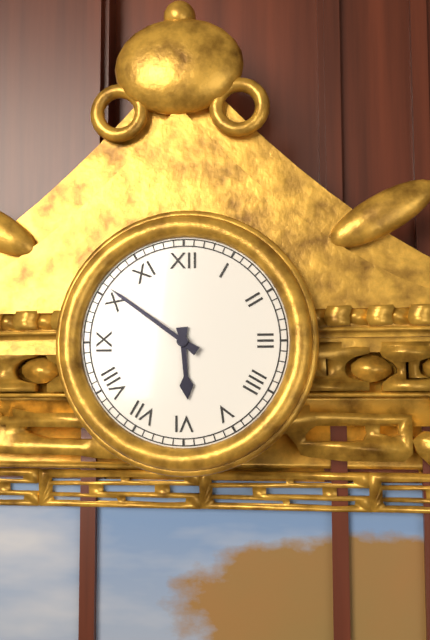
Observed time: **5:51**
